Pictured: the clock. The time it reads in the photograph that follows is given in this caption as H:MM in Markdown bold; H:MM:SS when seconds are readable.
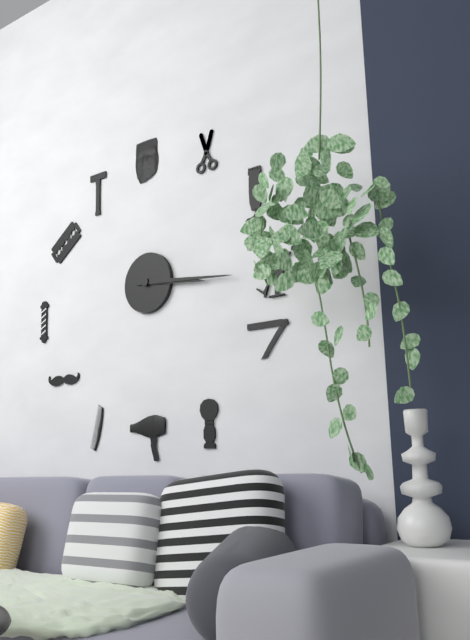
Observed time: **3:16**
